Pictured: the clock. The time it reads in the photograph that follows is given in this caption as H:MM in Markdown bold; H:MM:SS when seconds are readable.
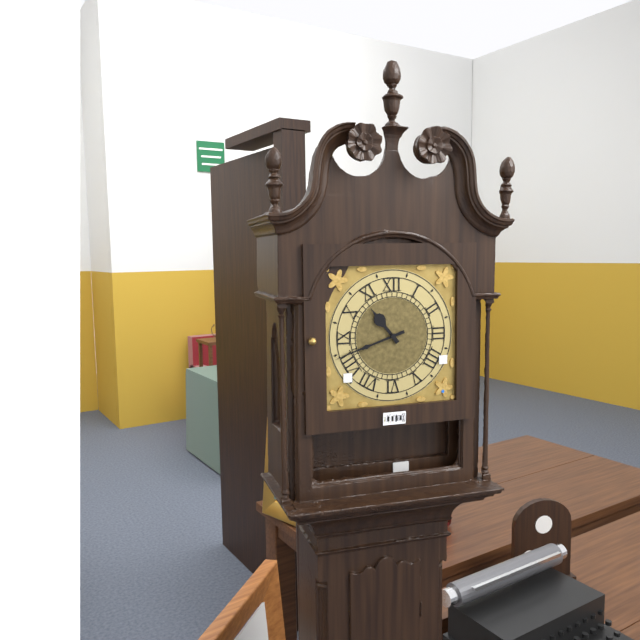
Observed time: **10:42**
